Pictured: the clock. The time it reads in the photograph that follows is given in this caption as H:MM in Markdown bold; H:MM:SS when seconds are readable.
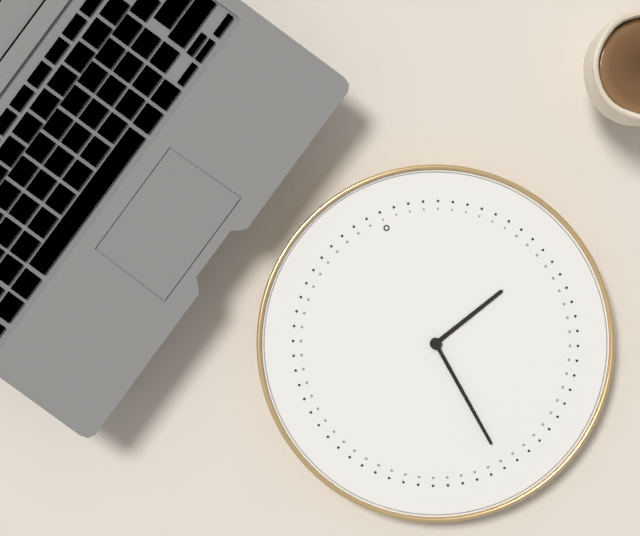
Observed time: **2:29**
